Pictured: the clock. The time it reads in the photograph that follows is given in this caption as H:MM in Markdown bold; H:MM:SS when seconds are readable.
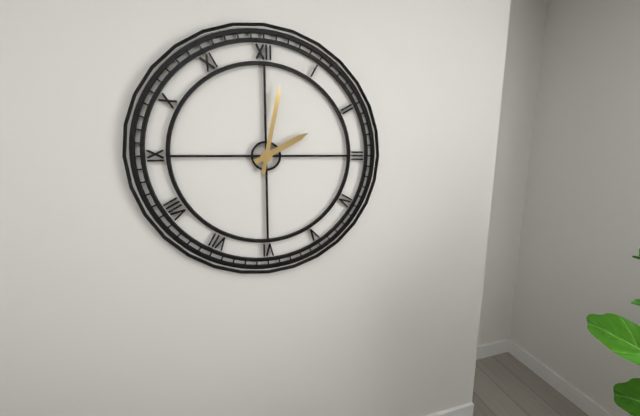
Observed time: **2:02**
